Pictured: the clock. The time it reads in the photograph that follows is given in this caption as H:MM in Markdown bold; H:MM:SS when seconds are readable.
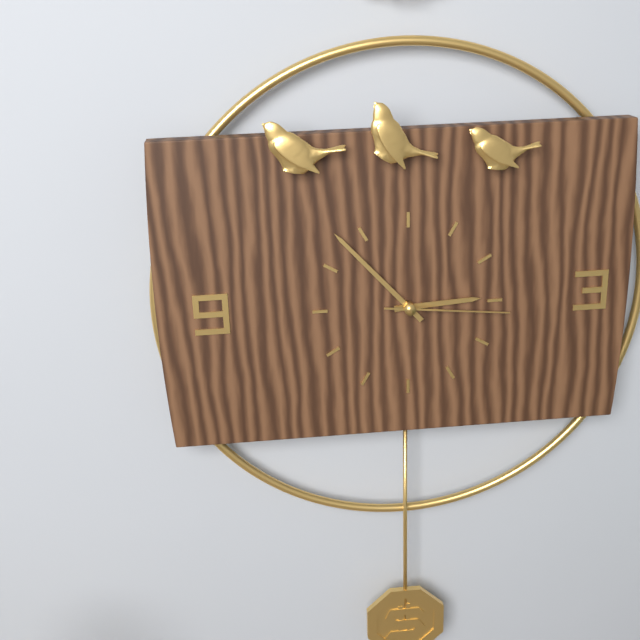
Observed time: **2:53:16**
